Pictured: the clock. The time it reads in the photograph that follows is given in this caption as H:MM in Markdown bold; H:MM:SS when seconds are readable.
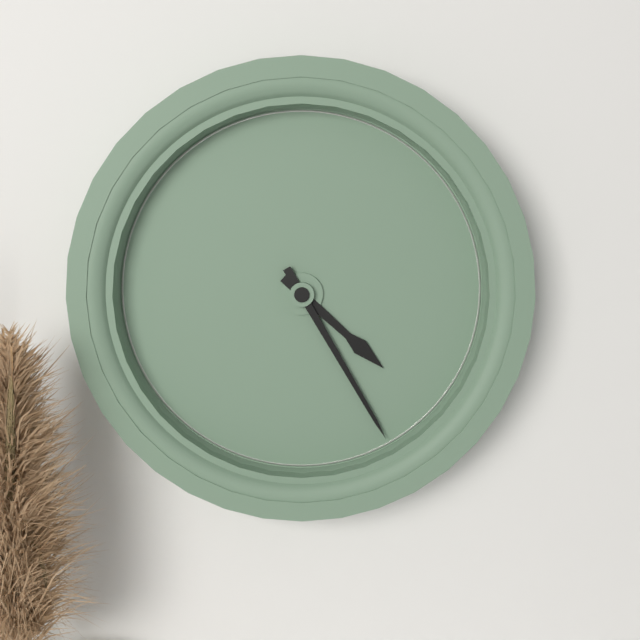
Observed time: **4:25**
